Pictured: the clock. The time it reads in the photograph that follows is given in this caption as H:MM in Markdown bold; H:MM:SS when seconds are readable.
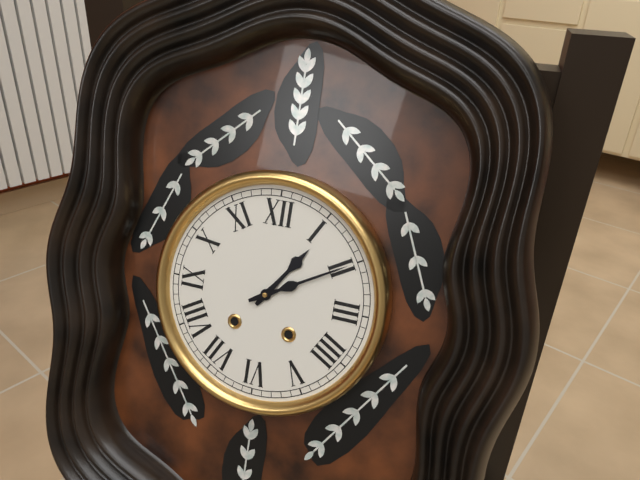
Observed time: **1:10**
